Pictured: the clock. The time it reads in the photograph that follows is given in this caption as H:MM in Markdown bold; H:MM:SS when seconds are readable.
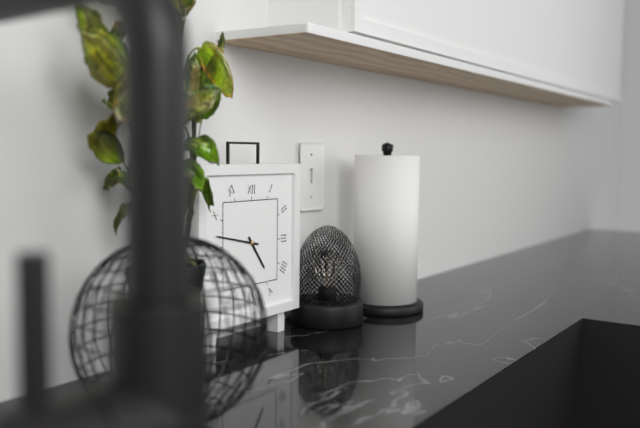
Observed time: **4:47**
